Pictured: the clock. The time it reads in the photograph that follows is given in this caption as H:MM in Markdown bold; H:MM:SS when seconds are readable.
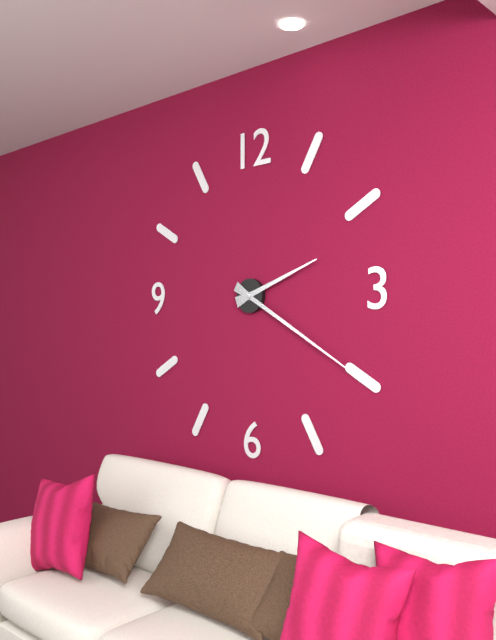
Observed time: **2:20**
